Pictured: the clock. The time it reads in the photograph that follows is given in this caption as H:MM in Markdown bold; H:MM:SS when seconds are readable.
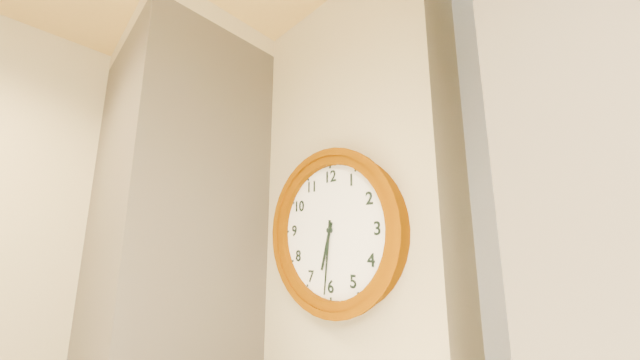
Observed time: **6:31**
